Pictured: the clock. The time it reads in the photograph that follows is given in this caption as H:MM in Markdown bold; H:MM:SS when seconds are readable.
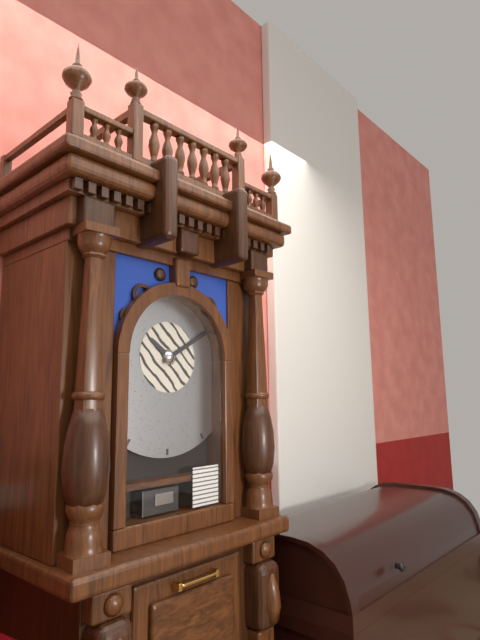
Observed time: **10:10**
